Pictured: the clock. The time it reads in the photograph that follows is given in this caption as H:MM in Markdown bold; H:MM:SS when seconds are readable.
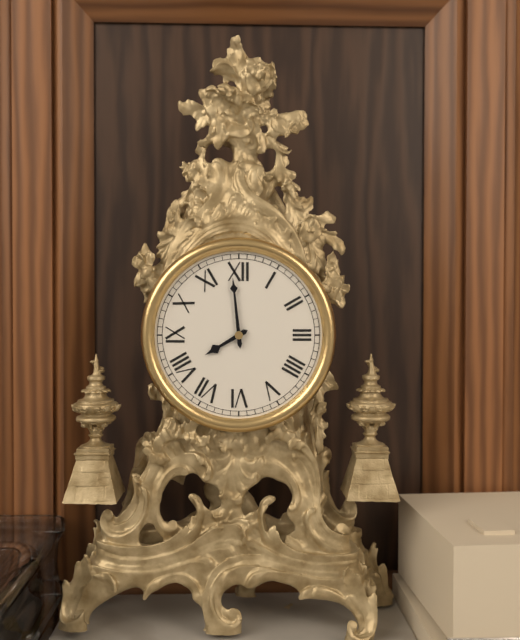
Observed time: **7:59**
